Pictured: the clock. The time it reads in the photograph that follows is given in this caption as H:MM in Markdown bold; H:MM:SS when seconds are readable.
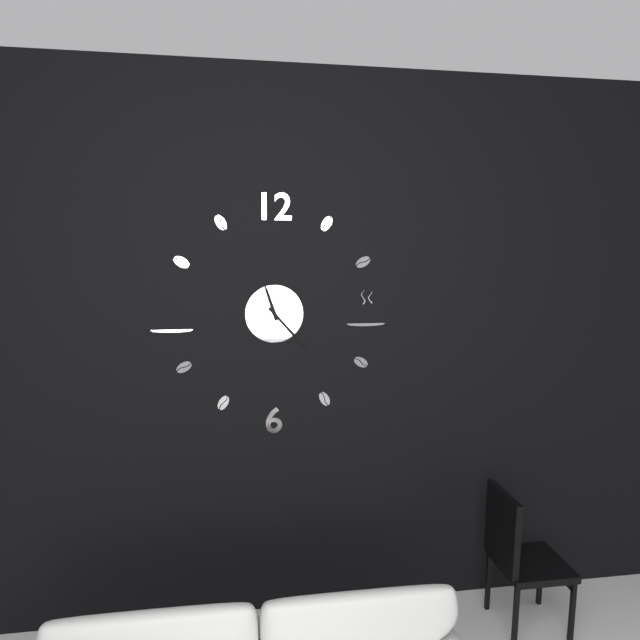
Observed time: **11:23:23**
